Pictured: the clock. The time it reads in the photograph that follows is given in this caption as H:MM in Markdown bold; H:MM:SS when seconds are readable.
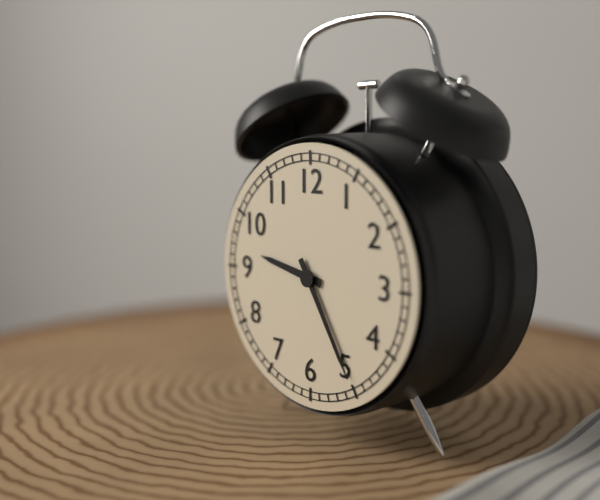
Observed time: **9:25**
